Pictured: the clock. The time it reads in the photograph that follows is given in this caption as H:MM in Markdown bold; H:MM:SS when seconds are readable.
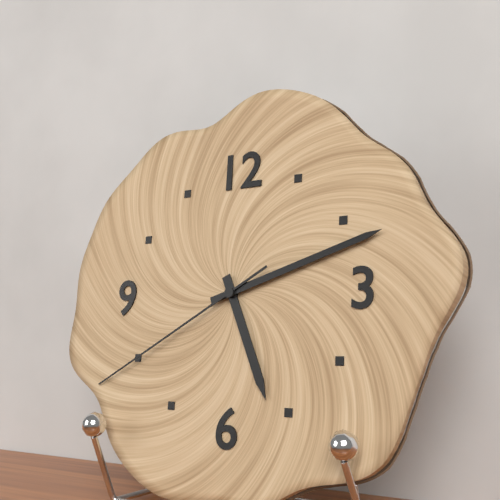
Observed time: **5:12:40**
